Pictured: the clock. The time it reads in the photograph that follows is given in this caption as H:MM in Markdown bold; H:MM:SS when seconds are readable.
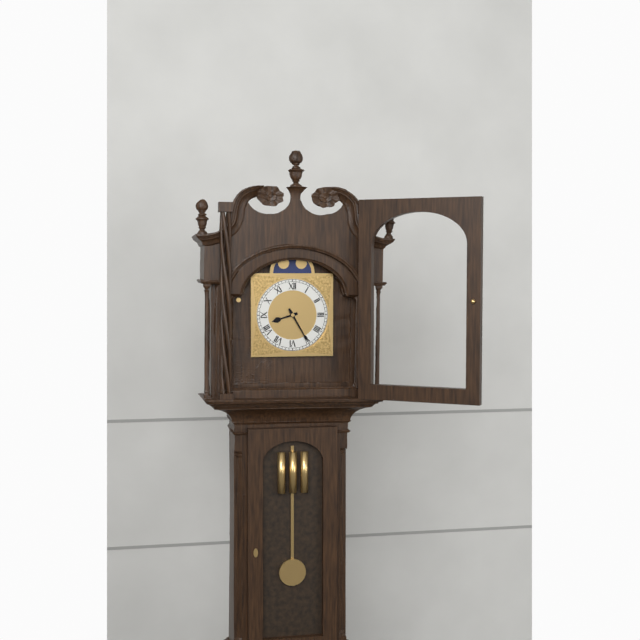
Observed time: **8:25**
